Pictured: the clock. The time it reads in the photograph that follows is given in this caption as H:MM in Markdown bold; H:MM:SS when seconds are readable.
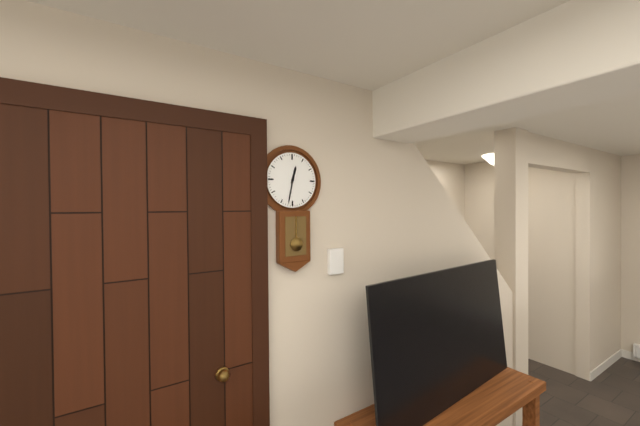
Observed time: **12:32**
